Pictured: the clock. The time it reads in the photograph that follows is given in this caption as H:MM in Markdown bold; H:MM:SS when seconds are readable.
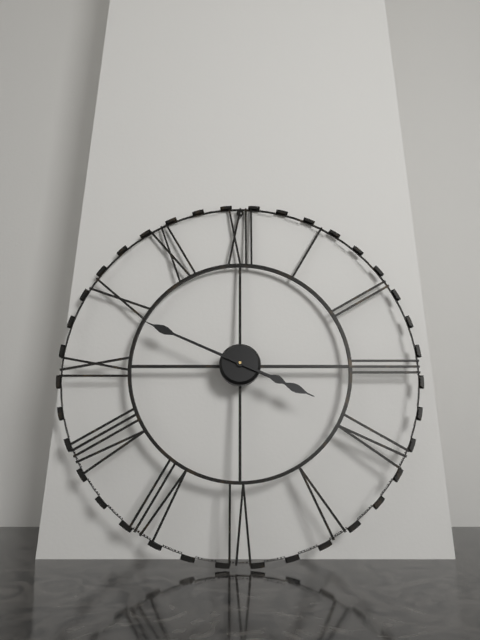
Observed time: **3:49**
